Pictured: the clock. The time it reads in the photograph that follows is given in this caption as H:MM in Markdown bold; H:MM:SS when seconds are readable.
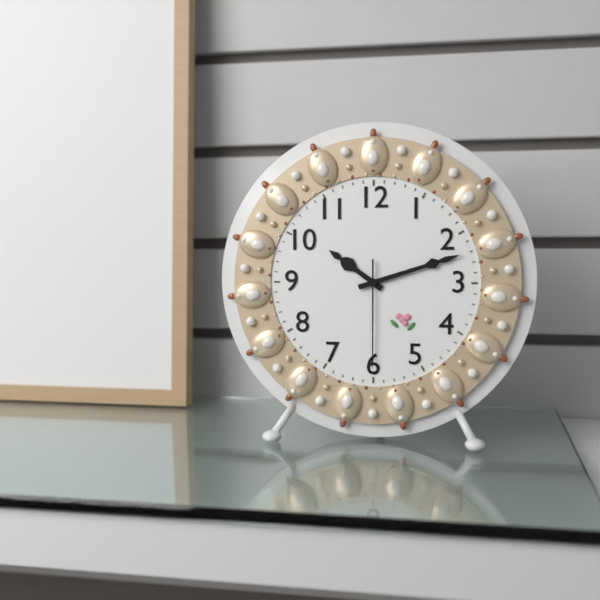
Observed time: **10:12:30**
